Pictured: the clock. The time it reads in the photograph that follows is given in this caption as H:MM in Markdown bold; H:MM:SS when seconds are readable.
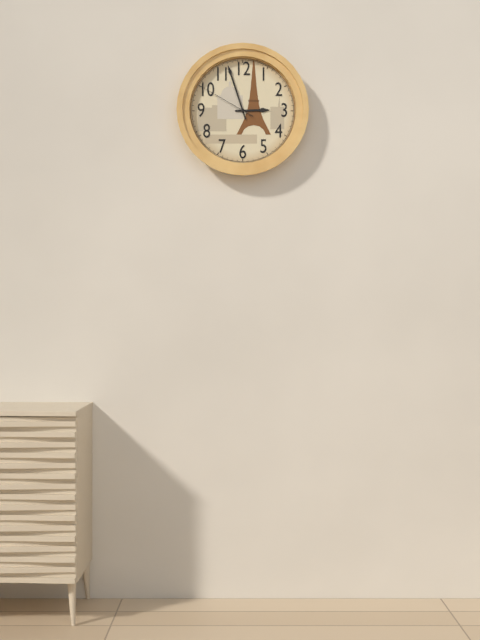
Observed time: **2:57:50**
